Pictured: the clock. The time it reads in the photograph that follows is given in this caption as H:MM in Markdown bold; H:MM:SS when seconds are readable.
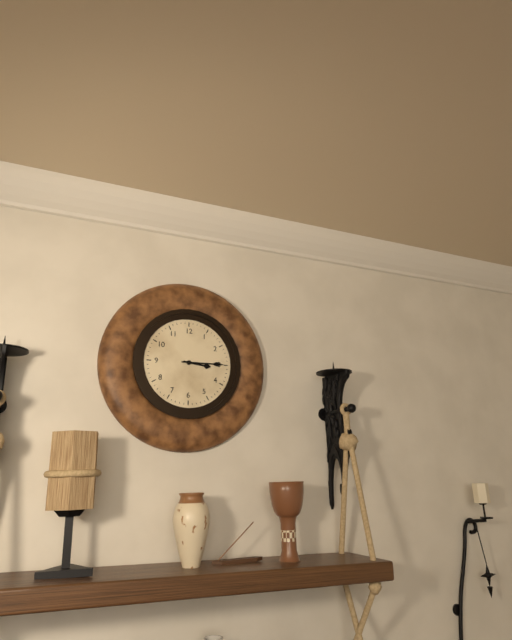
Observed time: **3:15**
